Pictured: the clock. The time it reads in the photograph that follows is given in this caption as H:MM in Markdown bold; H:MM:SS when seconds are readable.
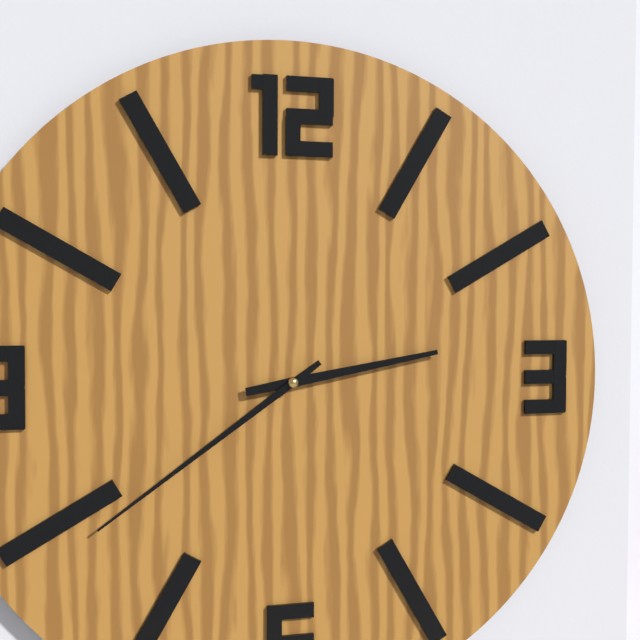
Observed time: **2:39**
